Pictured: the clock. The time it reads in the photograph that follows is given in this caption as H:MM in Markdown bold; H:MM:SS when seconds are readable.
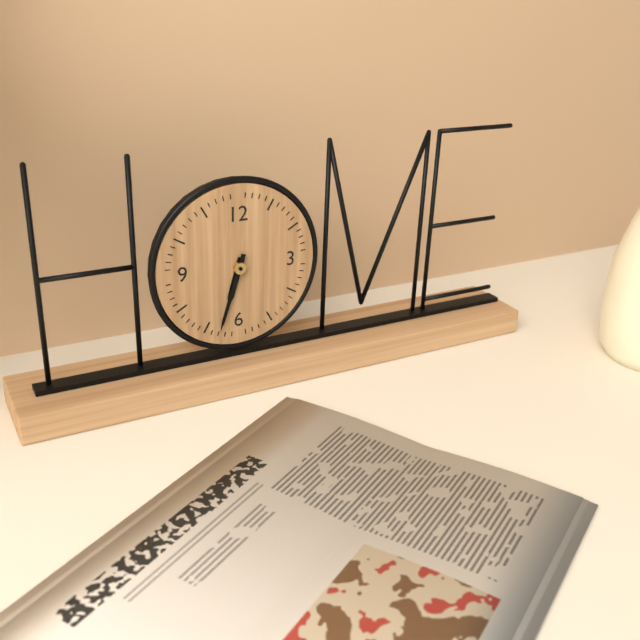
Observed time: **6:33**
